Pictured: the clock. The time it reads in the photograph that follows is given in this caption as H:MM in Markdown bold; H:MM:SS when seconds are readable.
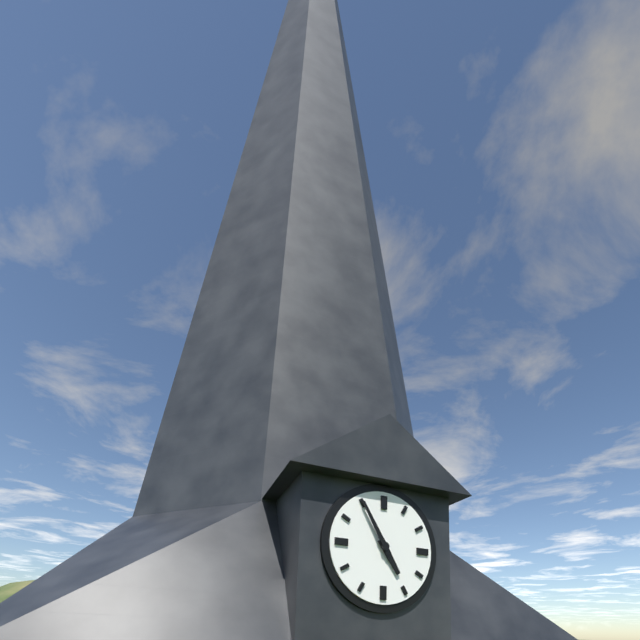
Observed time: **4:55**
